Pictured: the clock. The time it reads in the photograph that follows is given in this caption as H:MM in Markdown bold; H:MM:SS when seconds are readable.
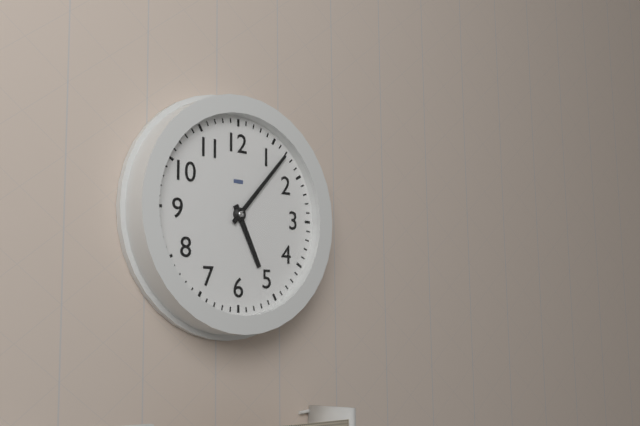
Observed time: **5:07**
